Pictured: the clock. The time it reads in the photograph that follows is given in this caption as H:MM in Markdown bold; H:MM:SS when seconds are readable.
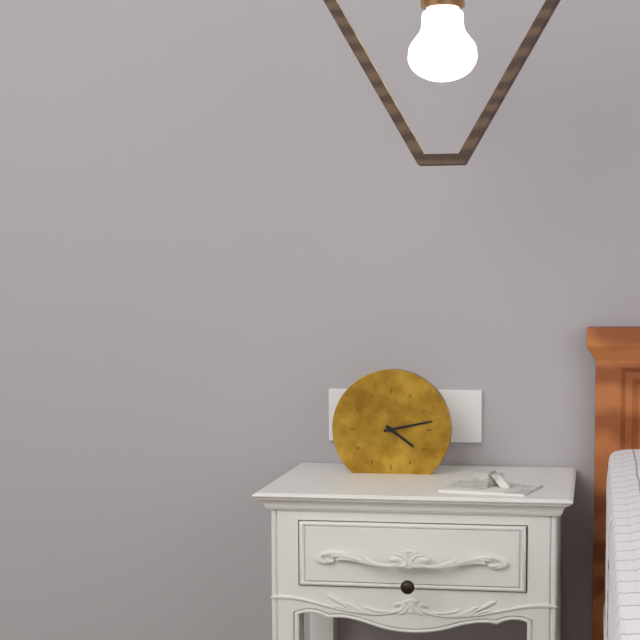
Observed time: **4:13**
